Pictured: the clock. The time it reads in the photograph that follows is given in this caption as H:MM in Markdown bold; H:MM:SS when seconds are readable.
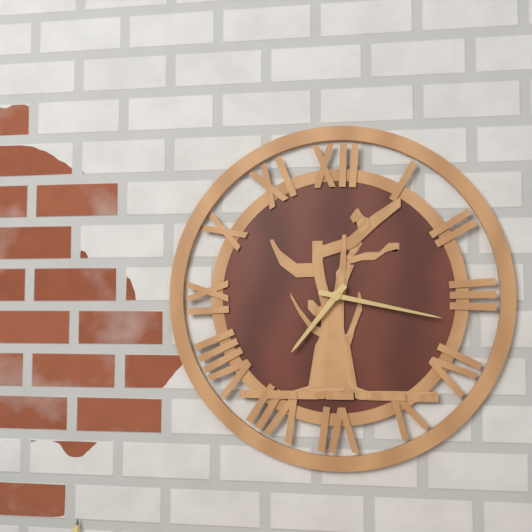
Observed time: **7:17**
